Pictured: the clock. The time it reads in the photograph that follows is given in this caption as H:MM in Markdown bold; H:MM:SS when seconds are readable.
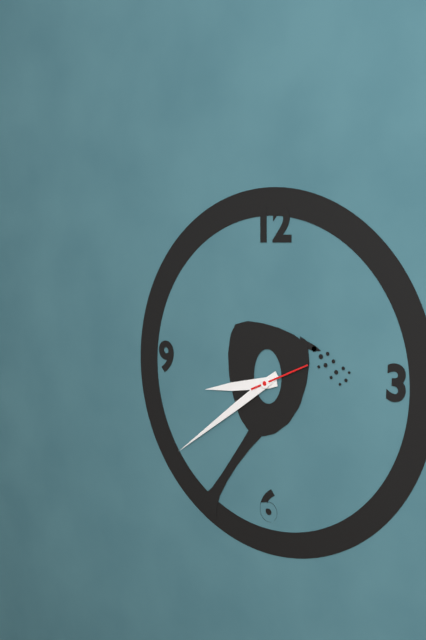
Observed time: **8:39:11**
